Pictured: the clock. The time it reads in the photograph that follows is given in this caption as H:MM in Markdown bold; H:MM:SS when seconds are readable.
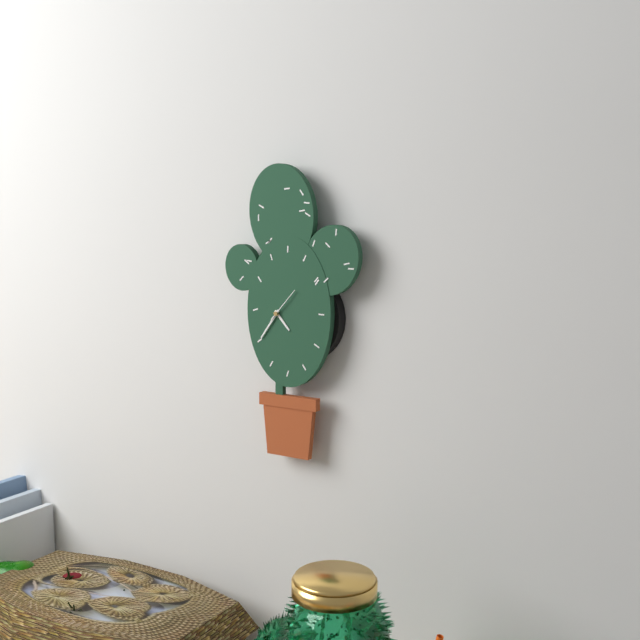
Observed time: **4:36**
